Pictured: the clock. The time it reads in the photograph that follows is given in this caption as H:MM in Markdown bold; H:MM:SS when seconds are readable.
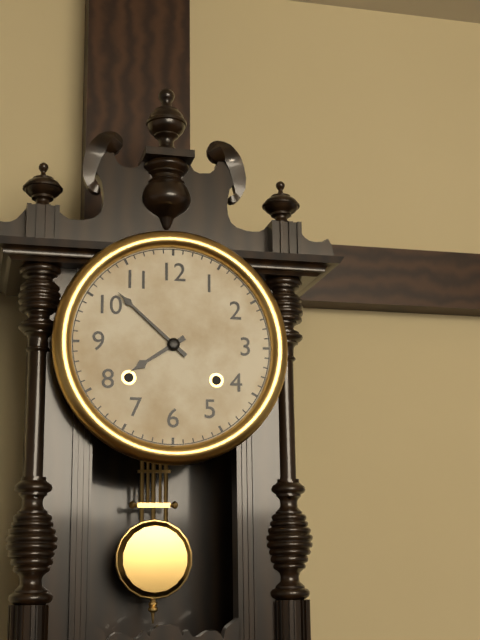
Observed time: **7:52**
